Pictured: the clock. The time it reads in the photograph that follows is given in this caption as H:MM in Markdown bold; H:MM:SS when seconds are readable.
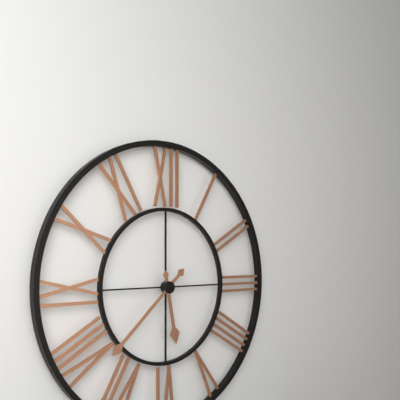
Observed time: **5:38**
